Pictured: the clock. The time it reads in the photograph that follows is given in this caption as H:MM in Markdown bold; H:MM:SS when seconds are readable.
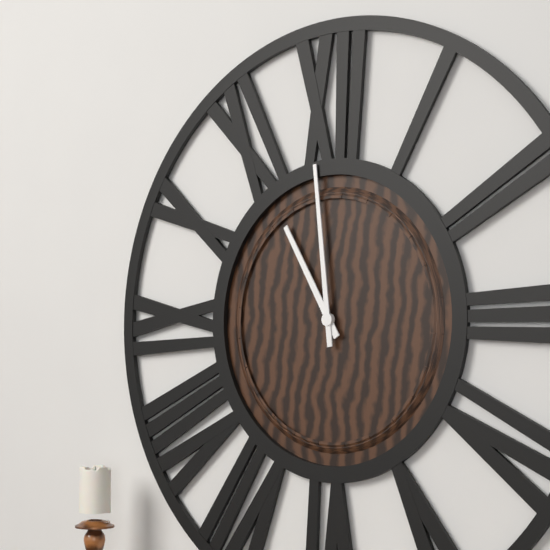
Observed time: **10:59**
